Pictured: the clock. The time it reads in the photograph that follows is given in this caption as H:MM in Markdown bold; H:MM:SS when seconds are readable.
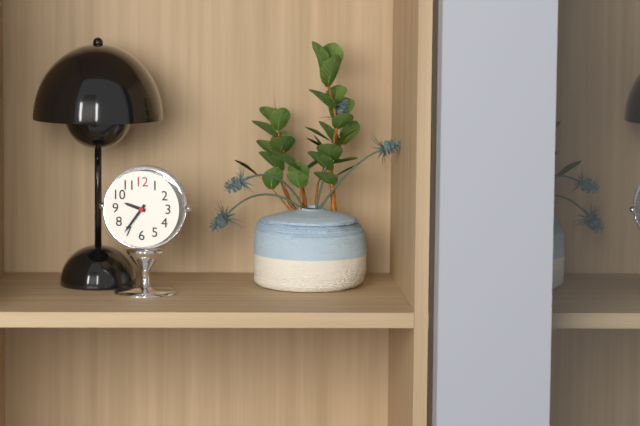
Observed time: **9:36**
